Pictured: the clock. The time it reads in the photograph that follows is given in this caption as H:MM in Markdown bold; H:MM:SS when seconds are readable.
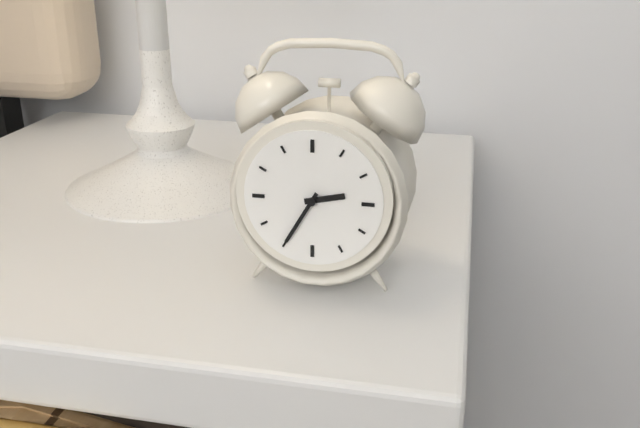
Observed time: **2:35**
